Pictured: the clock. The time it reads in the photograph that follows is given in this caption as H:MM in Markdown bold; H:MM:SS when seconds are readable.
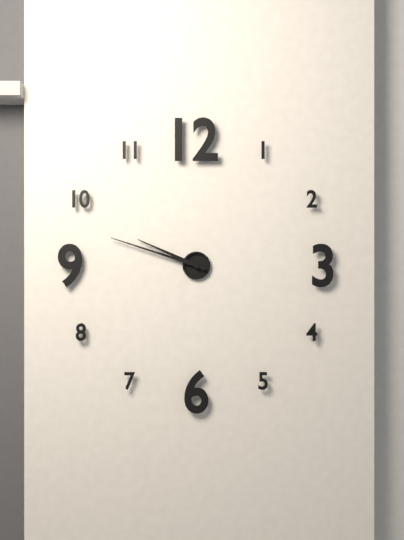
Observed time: **9:48**
